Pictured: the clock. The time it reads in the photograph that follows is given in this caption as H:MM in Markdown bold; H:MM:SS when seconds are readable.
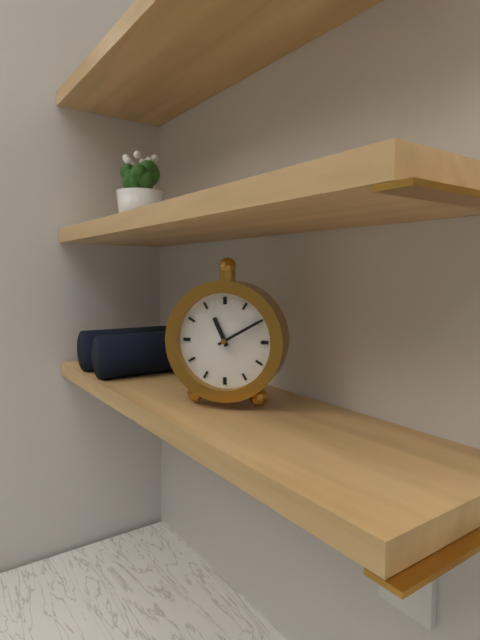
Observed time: **11:10**
